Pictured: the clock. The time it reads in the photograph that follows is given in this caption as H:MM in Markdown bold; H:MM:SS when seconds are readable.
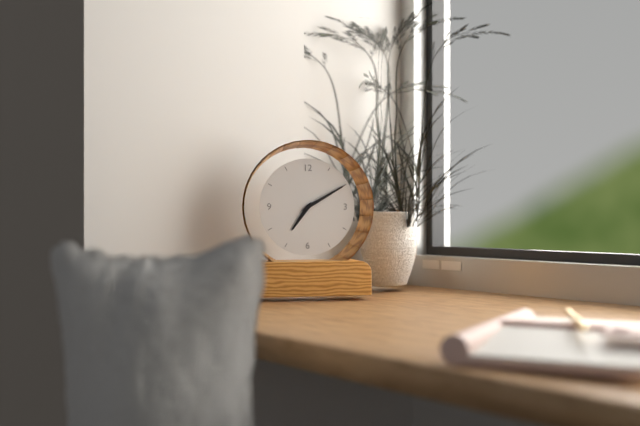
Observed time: **7:10**
